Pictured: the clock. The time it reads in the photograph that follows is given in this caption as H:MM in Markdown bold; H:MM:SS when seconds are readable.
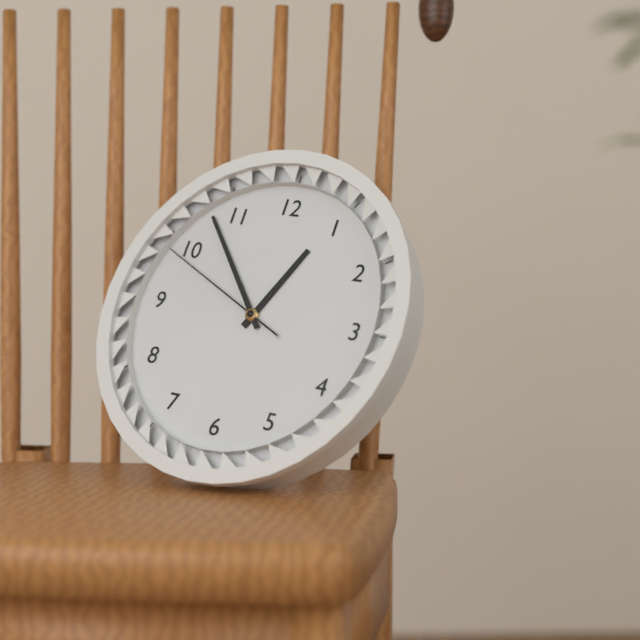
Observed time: **12:53:49**
